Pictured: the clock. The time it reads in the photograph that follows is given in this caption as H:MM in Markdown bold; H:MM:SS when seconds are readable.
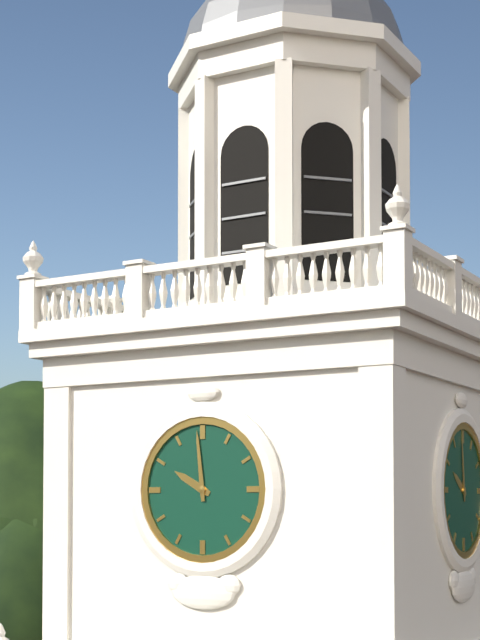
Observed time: **9:59**
